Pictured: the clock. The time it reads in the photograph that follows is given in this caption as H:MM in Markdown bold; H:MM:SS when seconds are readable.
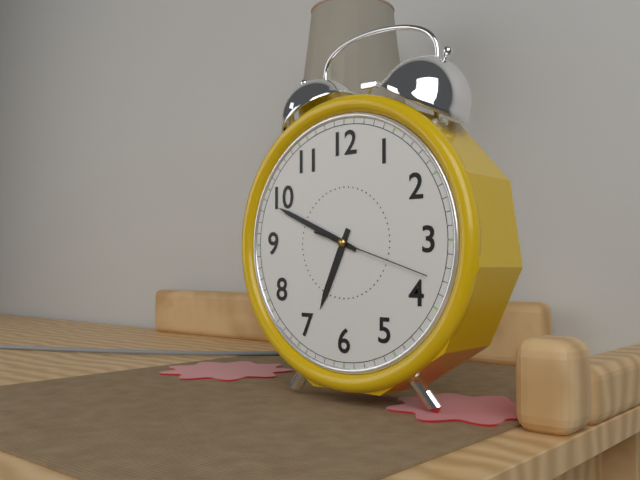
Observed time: **6:49:18**
